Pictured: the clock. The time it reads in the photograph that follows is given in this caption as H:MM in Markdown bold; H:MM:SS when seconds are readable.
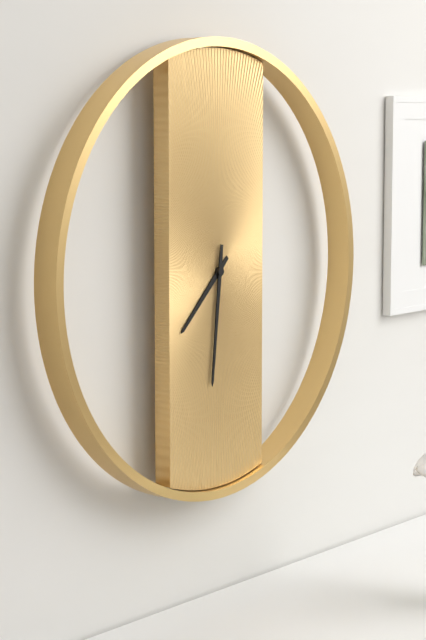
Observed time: **7:31**
